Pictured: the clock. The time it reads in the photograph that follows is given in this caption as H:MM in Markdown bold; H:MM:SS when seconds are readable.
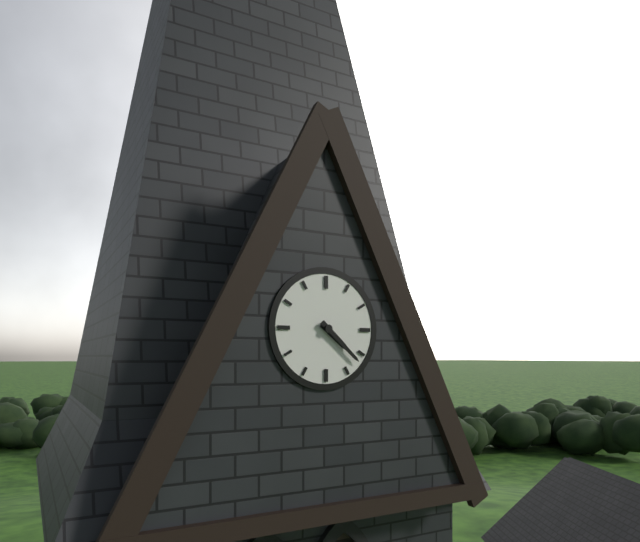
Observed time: **4:22**
